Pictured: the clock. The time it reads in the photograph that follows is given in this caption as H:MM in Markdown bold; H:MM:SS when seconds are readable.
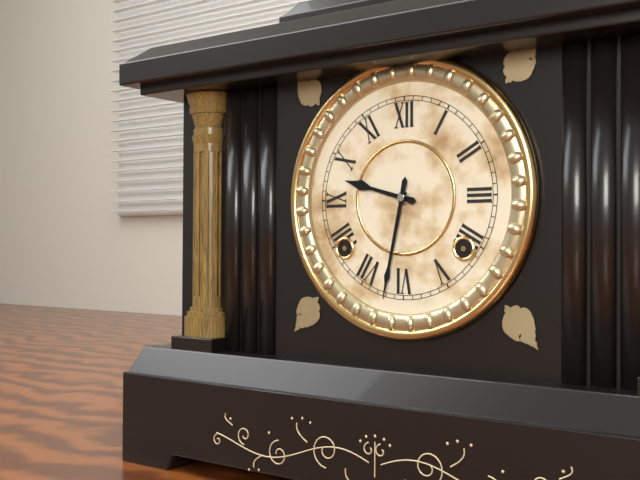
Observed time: **9:32**
